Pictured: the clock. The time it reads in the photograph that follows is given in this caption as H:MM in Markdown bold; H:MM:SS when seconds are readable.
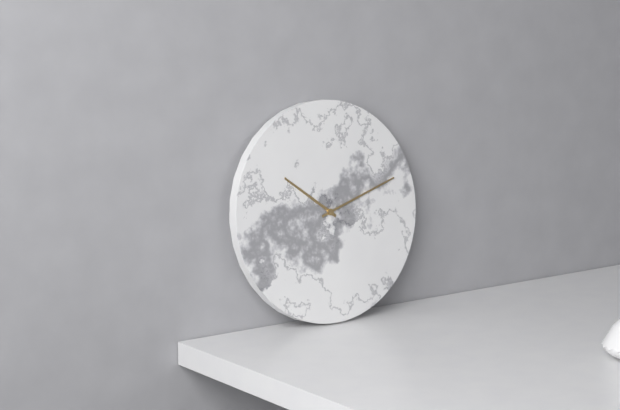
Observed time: **10:12**
